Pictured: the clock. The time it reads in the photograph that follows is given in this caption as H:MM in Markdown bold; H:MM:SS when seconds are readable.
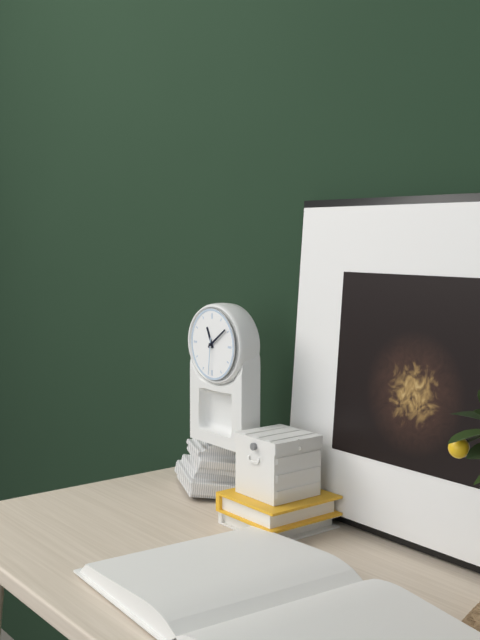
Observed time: **11:09**
